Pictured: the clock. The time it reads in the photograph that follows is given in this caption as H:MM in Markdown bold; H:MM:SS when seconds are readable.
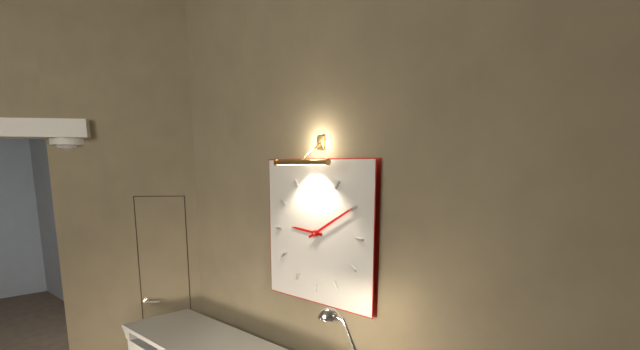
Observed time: **9:10**
